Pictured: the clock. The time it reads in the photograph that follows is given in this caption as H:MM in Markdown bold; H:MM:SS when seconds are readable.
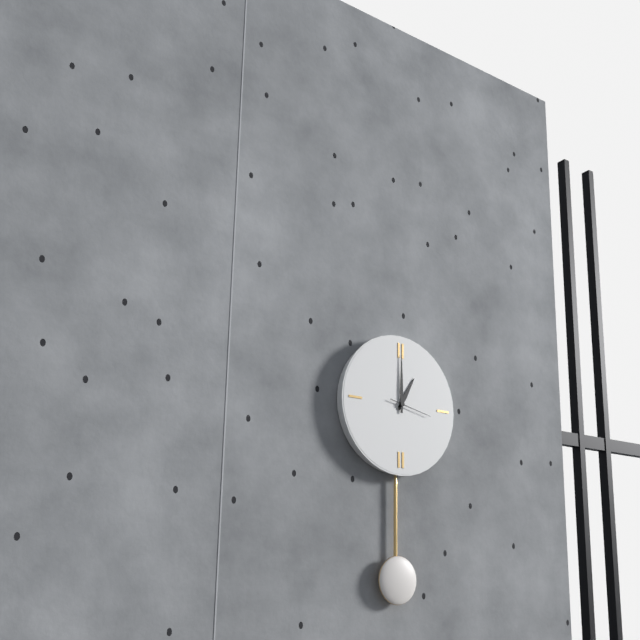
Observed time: **1:00**
